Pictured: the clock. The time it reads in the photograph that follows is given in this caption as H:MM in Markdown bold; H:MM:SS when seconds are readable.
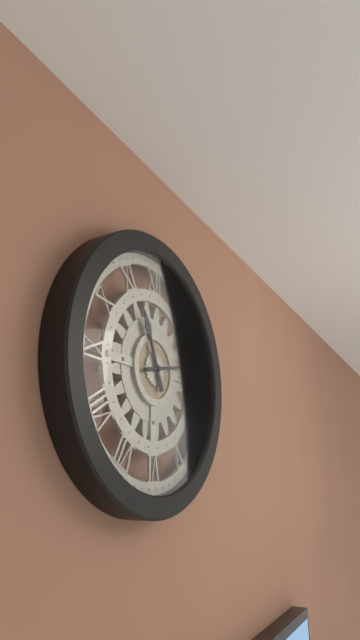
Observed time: **11:13**
